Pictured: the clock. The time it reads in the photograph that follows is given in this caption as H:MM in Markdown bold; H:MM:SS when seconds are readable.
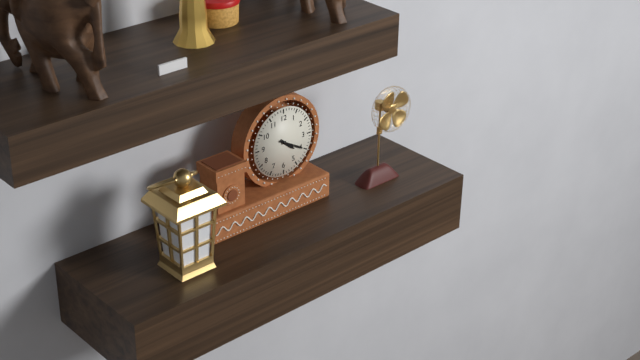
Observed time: **4:20**
